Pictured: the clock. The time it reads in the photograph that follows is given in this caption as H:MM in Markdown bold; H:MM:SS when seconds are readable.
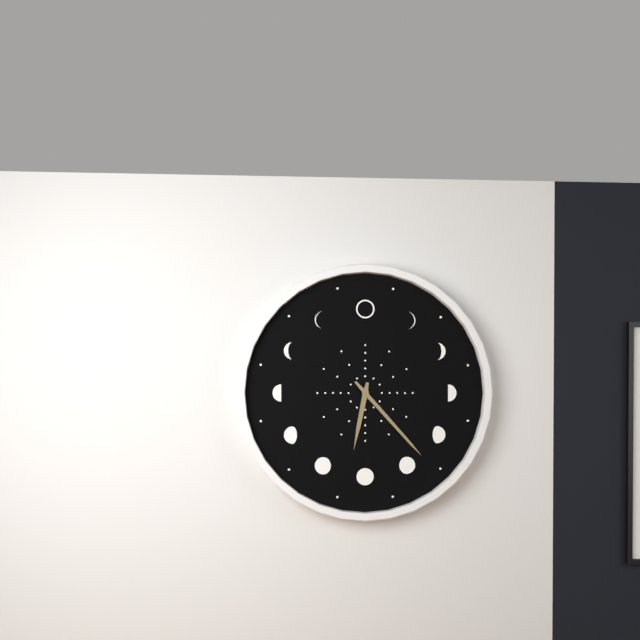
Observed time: **6:23**
